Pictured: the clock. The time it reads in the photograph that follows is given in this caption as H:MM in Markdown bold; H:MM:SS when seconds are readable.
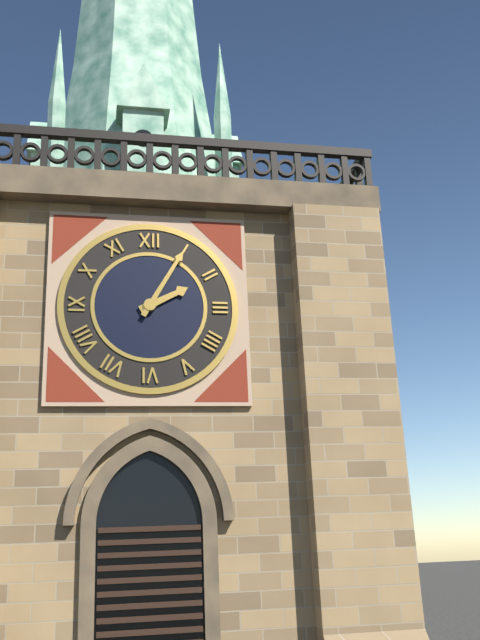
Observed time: **2:05**
